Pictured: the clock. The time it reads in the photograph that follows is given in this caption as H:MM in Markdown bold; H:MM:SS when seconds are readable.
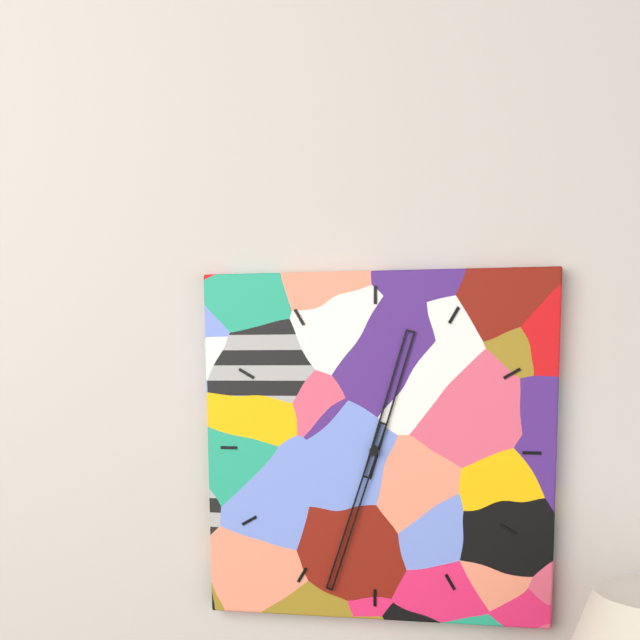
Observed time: **12:33**
